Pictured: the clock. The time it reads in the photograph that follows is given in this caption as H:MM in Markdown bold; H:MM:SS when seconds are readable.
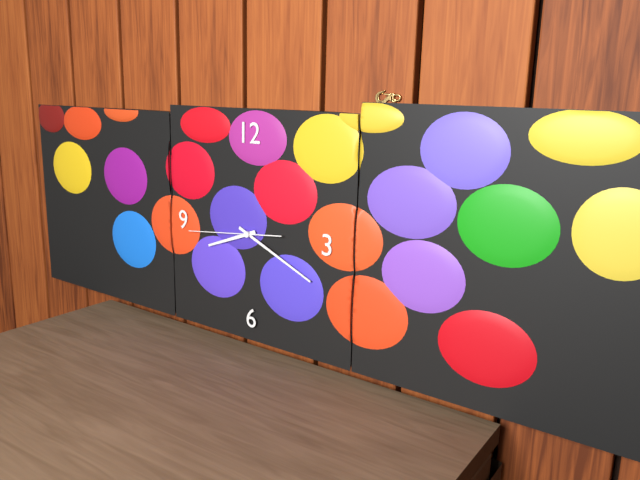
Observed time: **8:19:44**
